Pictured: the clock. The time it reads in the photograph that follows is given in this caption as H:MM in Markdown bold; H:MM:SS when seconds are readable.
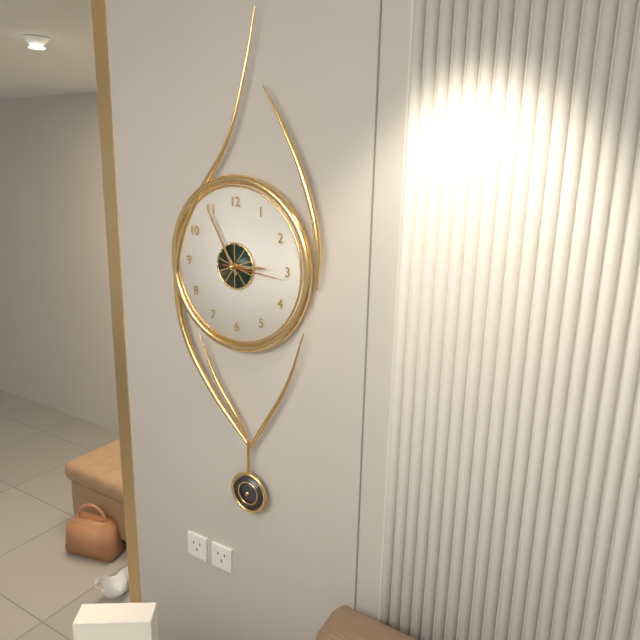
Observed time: **2:55:16**
